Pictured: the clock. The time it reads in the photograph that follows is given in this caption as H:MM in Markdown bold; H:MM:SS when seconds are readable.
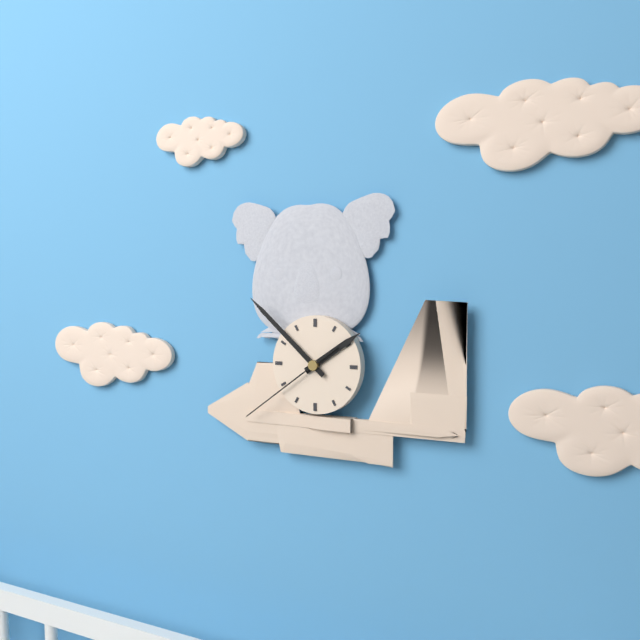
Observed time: **1:52:39**
